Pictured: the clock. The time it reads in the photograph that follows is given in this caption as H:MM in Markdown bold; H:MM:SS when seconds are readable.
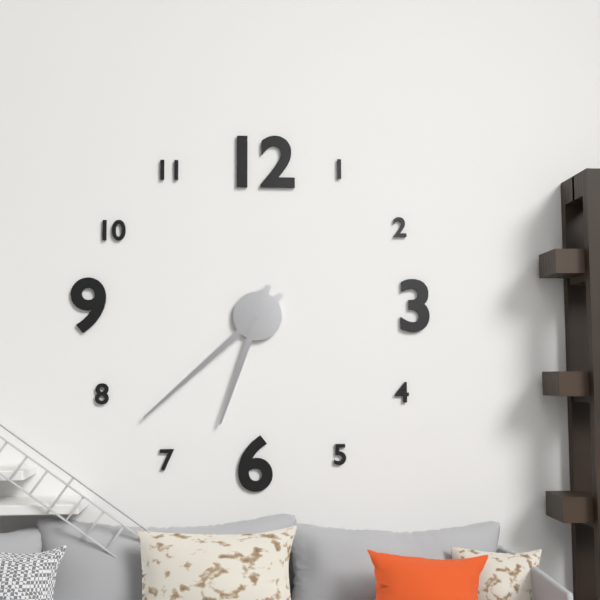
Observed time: **6:38**
